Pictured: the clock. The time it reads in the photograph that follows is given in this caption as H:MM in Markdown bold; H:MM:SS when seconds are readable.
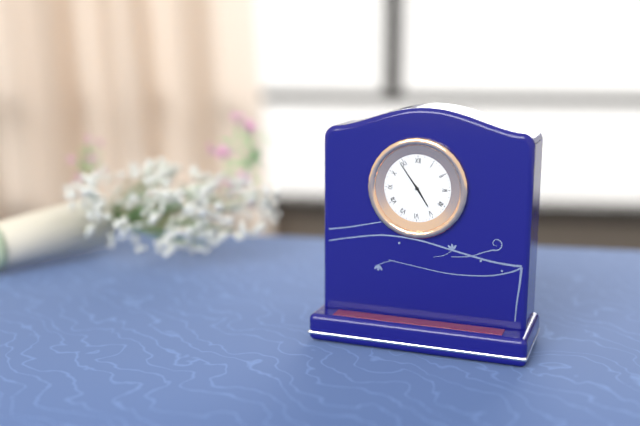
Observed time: **4:54**
